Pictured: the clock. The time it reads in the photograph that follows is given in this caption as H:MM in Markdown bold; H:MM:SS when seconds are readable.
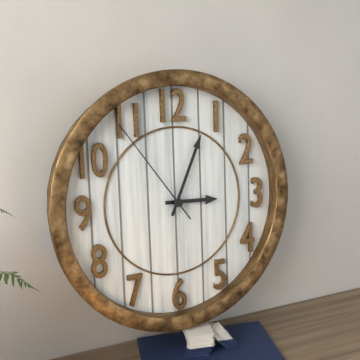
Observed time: **3:04:54**
